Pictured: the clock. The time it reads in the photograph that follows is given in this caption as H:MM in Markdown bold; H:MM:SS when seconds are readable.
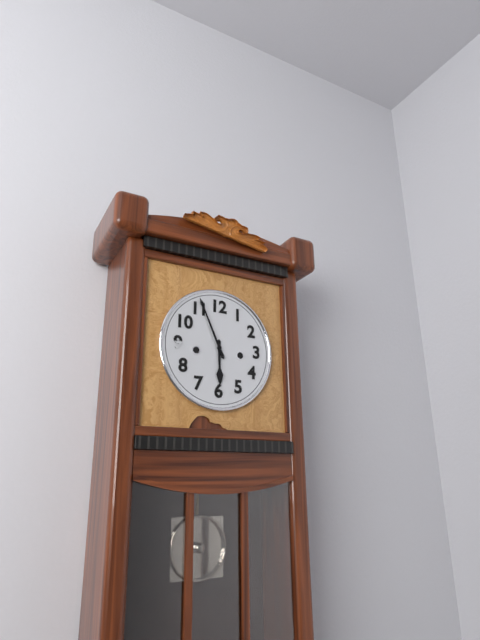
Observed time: **5:56**
